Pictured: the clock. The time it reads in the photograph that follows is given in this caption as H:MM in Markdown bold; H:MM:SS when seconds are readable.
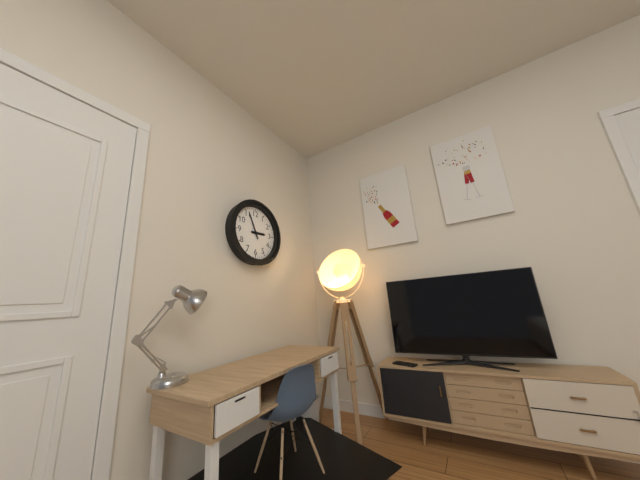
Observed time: **2:56**
